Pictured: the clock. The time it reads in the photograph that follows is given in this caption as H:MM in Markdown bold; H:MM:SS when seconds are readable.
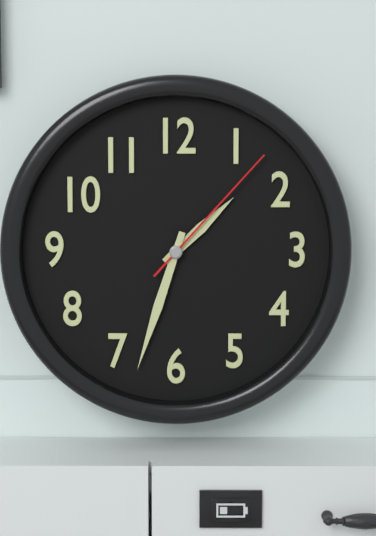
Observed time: **1:33:07**
